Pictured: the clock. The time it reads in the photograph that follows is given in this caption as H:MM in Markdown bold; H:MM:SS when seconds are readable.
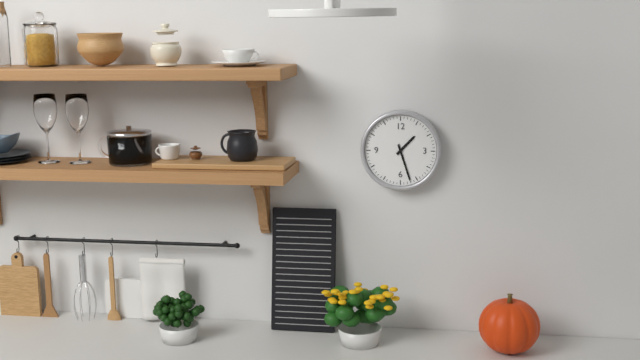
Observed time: **1:27**
